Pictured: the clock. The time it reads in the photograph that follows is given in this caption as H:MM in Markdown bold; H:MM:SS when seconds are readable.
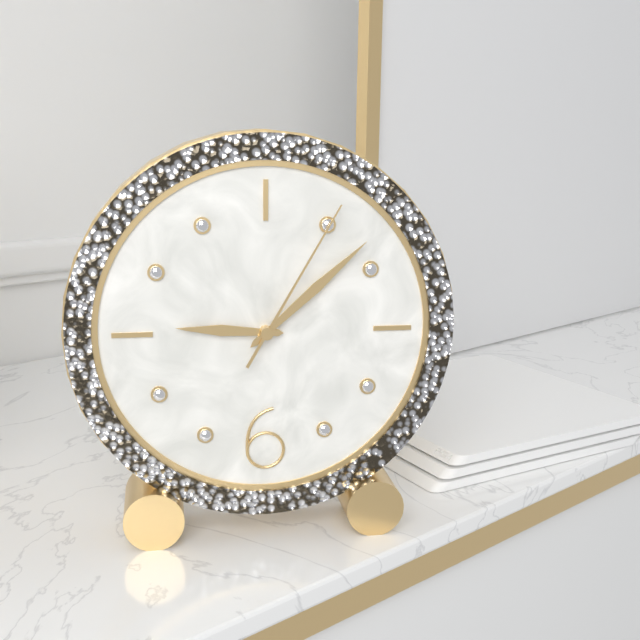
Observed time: **9:08:05**
